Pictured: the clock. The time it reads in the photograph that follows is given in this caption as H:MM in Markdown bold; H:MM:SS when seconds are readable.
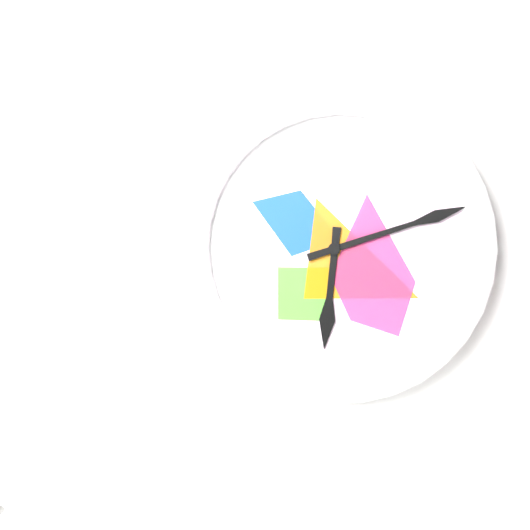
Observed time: **6:12**
